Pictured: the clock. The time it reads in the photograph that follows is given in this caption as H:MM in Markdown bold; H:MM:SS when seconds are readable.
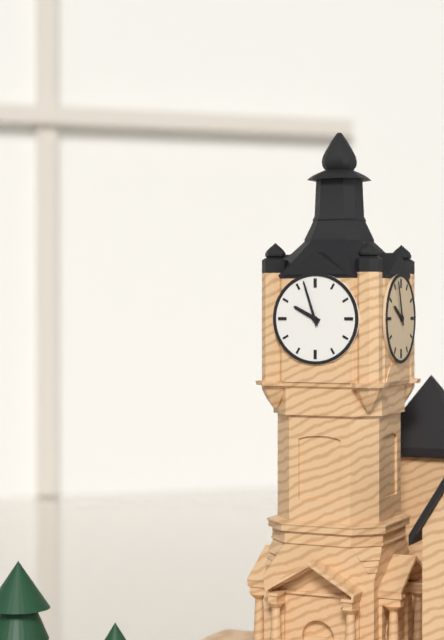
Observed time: **9:57**
